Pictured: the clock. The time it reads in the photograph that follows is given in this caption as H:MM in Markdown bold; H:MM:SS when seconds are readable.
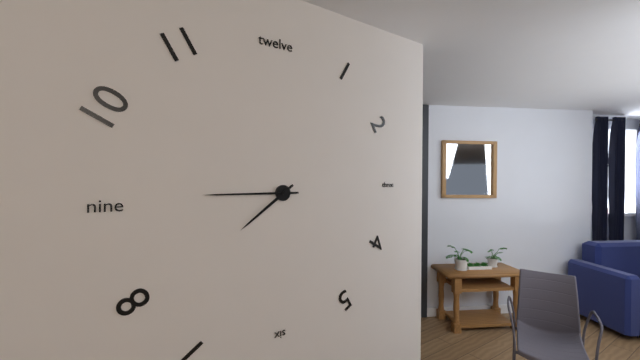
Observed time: **7:45**
